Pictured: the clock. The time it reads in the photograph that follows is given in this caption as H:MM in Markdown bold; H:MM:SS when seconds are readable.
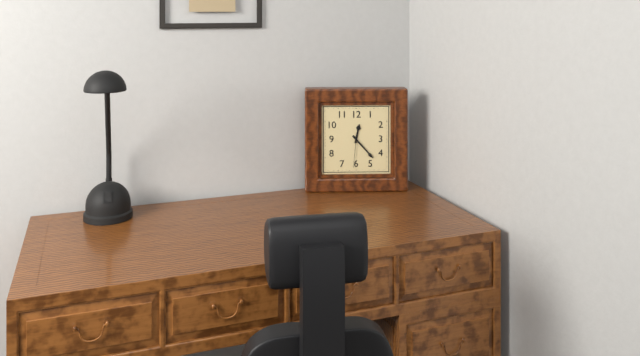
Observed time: **12:23**
